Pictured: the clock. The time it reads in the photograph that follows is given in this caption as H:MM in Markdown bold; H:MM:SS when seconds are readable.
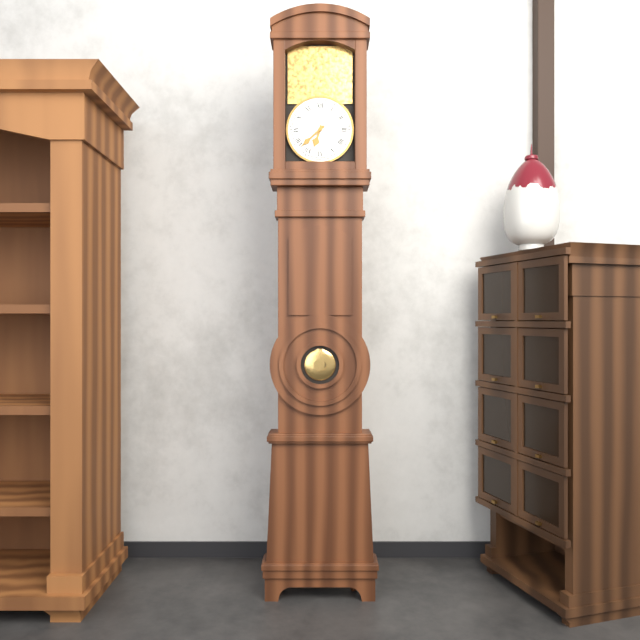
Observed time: **6:38**
